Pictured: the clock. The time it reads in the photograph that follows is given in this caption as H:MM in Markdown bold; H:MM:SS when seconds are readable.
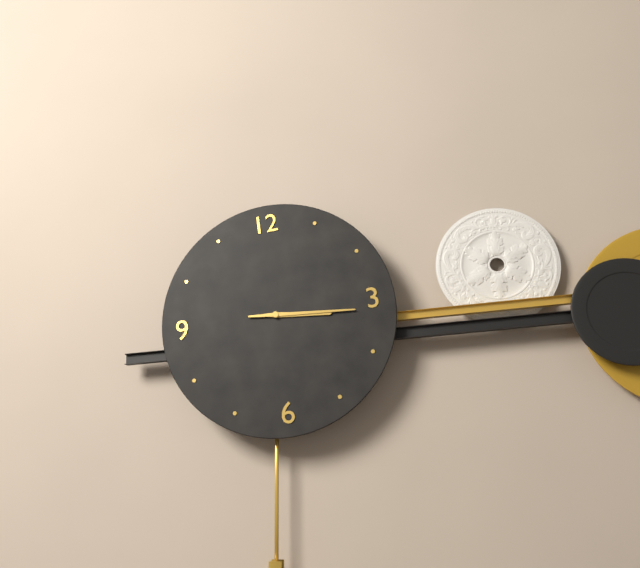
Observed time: **3:16**
